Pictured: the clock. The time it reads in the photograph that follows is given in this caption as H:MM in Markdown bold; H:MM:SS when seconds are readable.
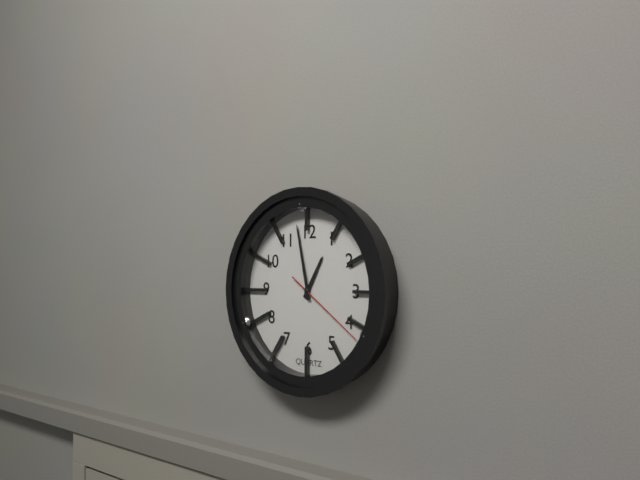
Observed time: **12:58:21**
